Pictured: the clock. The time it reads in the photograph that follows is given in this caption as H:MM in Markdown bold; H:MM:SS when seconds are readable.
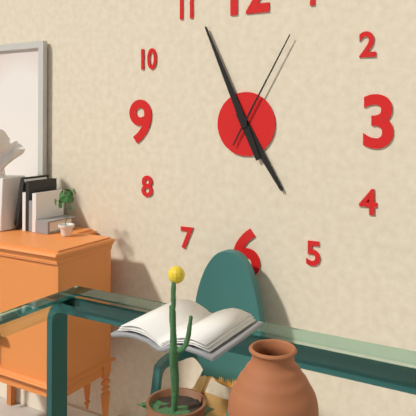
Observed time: **4:56:05**
